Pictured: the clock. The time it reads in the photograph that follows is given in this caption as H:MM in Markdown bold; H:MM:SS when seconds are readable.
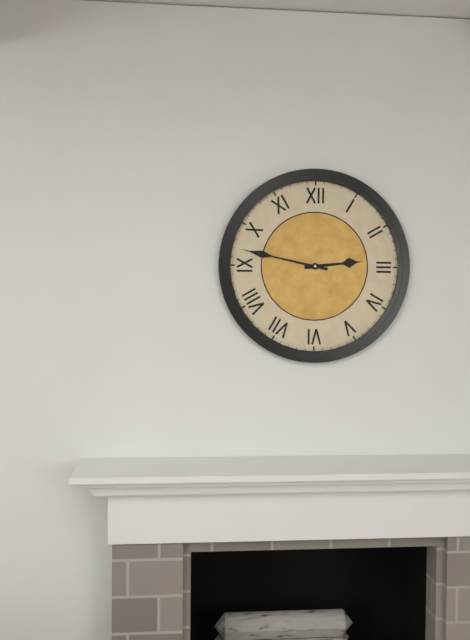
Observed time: **2:47**
